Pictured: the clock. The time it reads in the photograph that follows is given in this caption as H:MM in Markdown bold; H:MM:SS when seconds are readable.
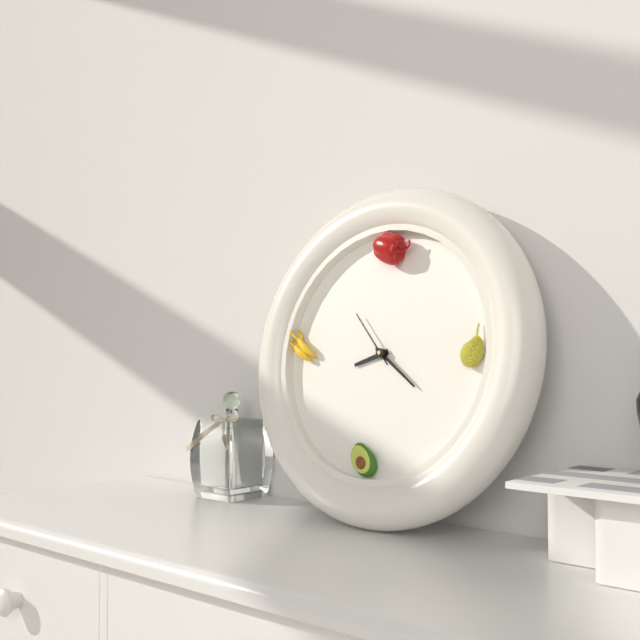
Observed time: **8:21:53**
